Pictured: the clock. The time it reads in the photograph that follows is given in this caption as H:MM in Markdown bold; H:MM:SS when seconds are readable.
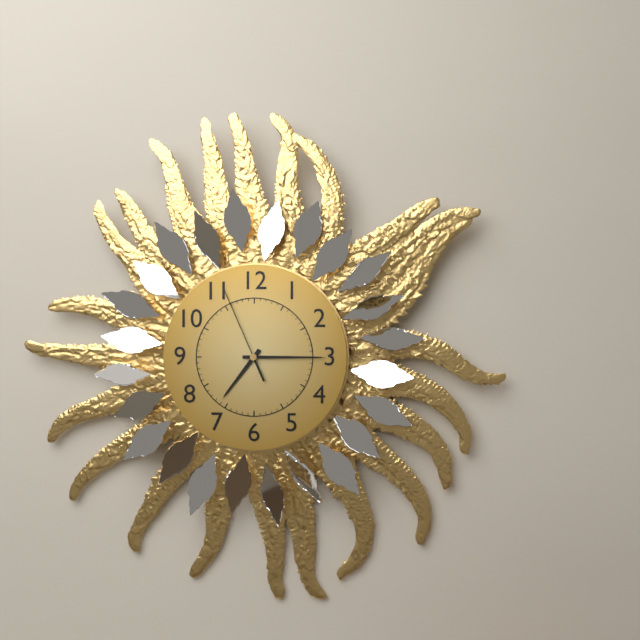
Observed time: **7:15:56**
